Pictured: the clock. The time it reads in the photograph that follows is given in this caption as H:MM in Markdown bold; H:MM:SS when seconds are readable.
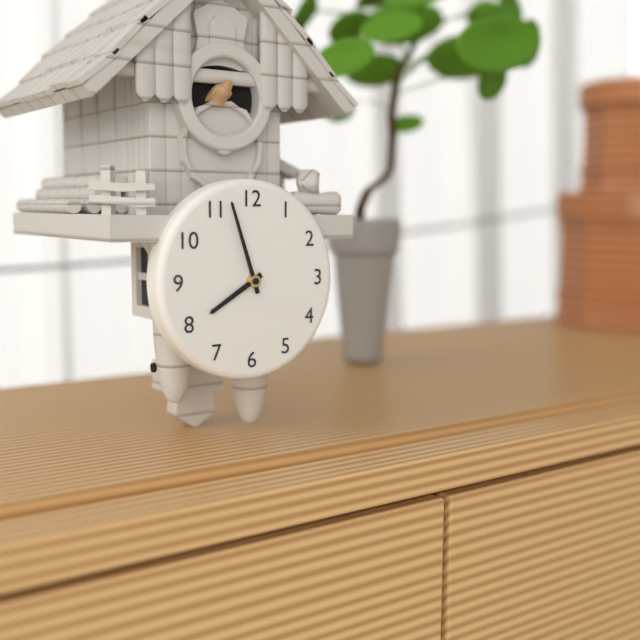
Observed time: **7:57**
